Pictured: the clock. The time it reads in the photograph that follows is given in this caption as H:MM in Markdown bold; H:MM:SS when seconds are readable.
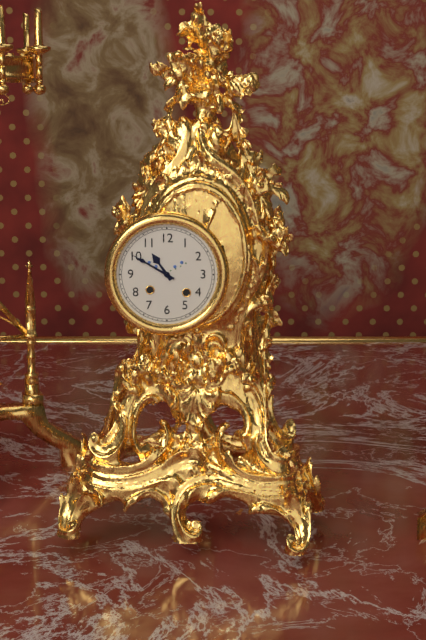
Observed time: **10:50**
